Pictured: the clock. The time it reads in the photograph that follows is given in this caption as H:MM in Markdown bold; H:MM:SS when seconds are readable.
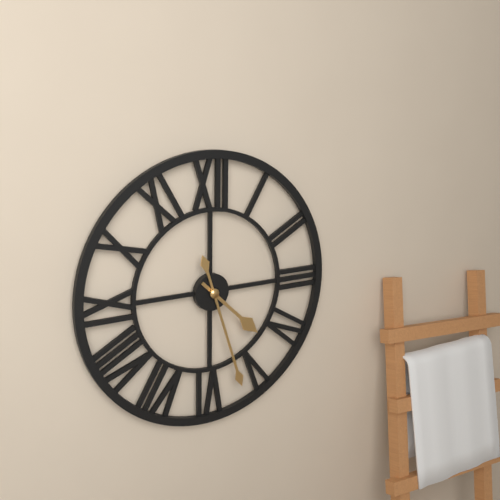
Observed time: **4:27**
